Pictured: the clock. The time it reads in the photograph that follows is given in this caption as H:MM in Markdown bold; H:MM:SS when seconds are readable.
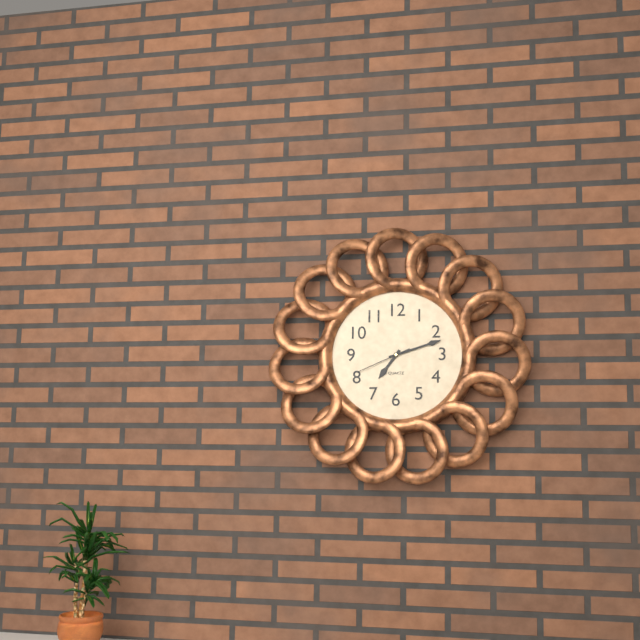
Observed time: **7:12:41**
